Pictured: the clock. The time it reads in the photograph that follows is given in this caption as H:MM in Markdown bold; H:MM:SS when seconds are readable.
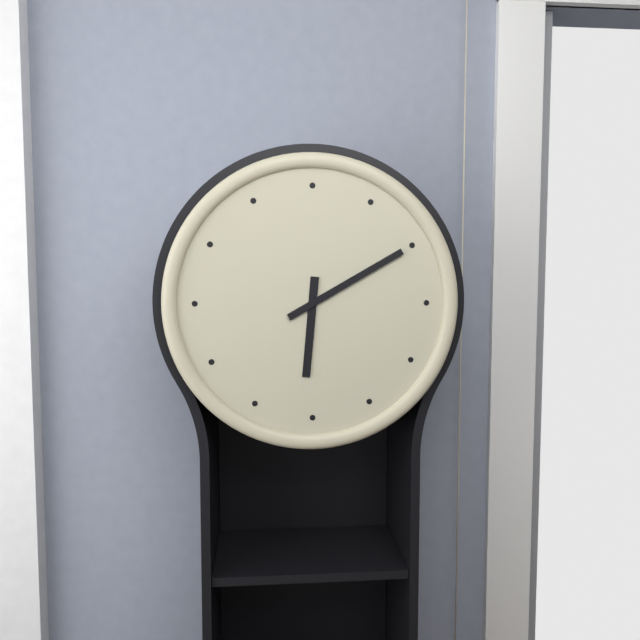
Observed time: **6:10**
